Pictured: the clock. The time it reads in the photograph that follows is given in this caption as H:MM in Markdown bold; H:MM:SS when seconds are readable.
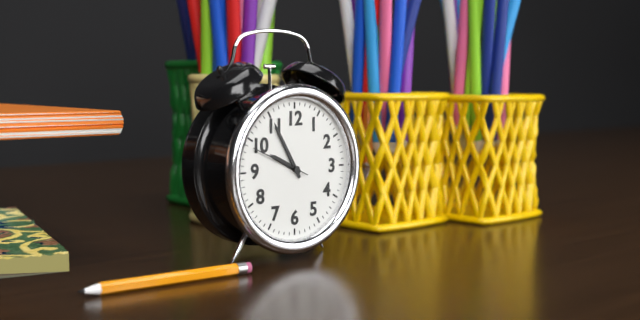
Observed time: **9:55:49**
